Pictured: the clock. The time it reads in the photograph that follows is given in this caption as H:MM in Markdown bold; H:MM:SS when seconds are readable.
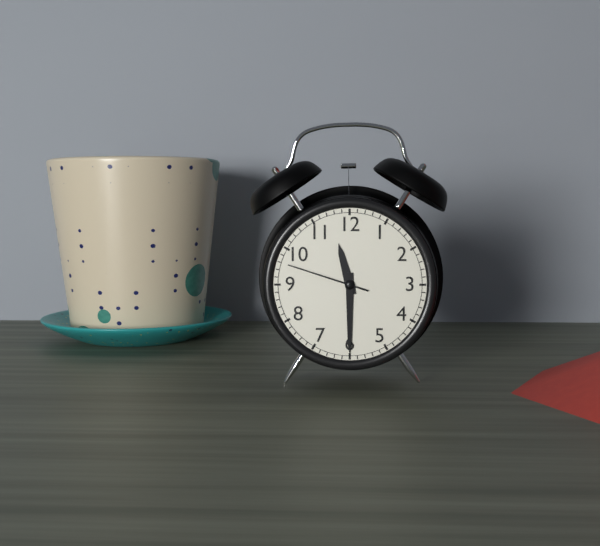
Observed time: **11:30:48**
